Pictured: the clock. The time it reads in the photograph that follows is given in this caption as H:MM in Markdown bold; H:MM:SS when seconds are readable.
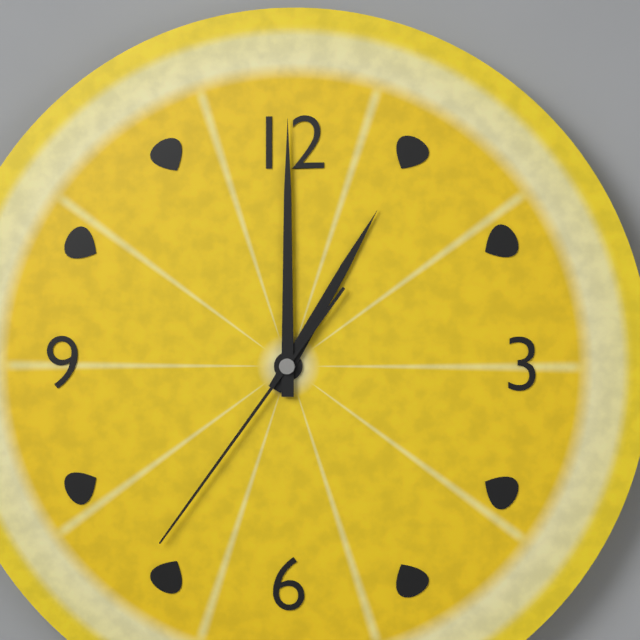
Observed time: **1:00:36**
